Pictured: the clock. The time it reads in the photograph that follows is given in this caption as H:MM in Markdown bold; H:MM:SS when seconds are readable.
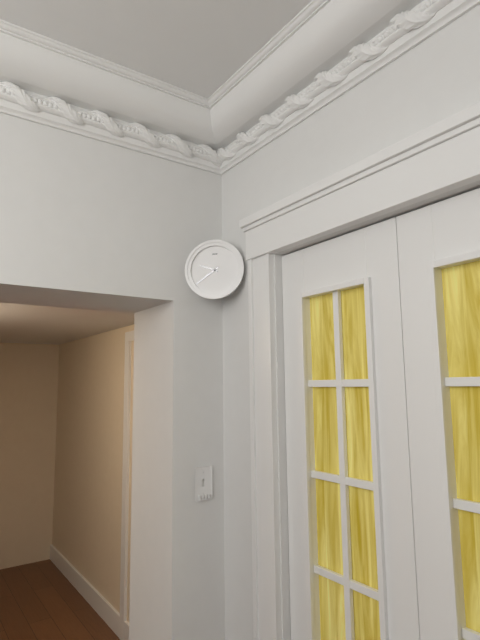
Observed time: **9:39**
